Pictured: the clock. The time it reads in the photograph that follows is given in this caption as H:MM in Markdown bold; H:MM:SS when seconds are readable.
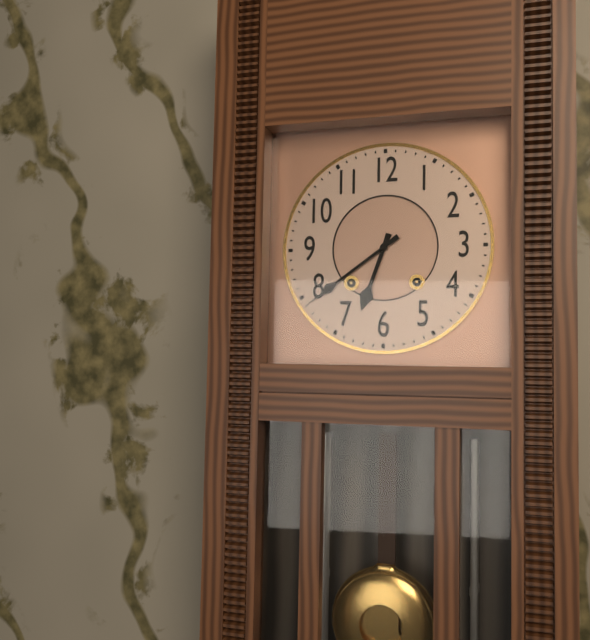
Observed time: **6:39**
